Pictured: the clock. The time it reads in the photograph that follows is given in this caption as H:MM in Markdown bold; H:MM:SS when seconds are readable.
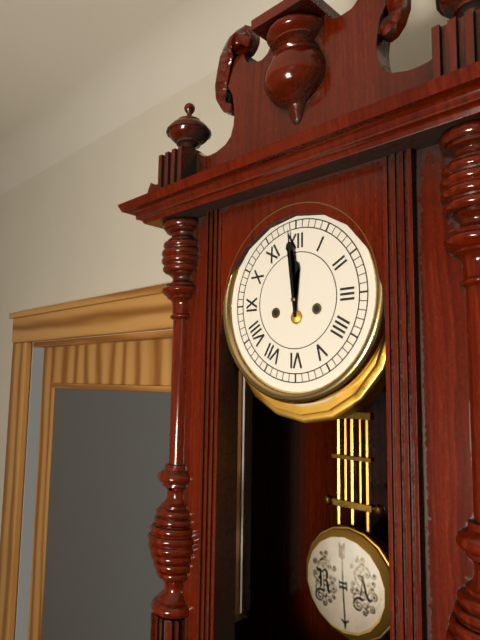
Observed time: **11:59**
